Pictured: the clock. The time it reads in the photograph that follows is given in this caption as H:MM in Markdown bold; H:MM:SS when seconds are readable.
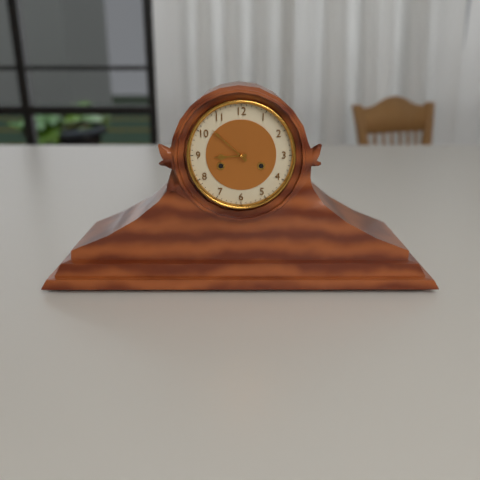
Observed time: **8:52**
